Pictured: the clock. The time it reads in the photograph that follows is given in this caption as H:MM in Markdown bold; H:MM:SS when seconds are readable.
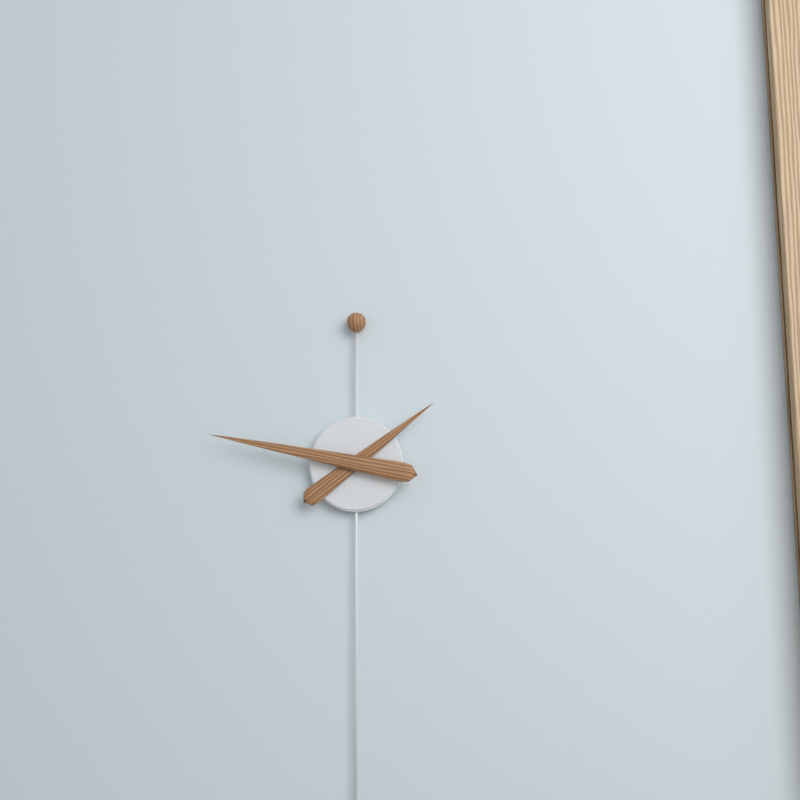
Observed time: **1:47**
